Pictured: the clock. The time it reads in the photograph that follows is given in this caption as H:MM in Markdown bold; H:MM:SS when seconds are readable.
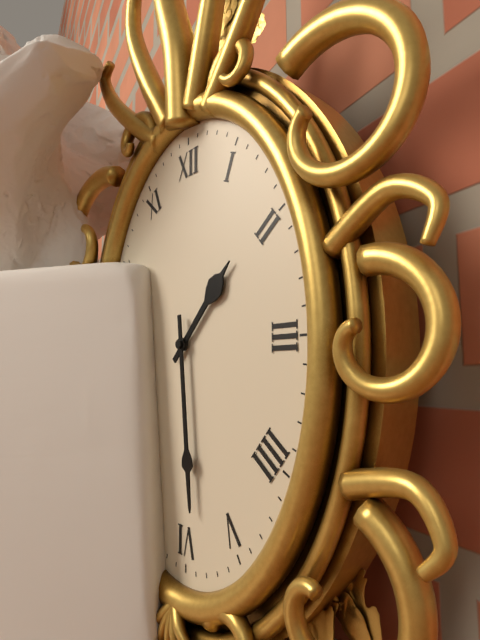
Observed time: **1:29**
